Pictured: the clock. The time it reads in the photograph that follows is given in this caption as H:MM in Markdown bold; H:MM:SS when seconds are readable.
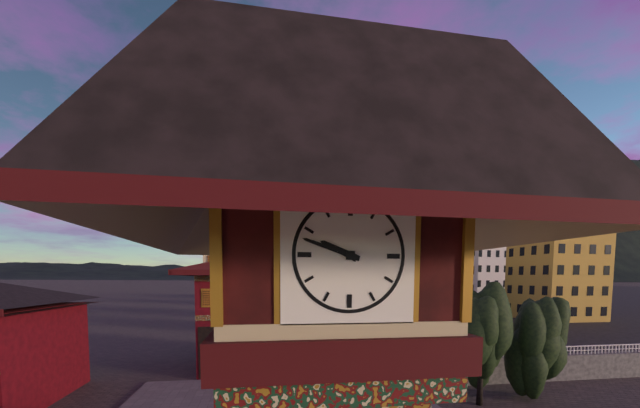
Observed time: **9:48**
